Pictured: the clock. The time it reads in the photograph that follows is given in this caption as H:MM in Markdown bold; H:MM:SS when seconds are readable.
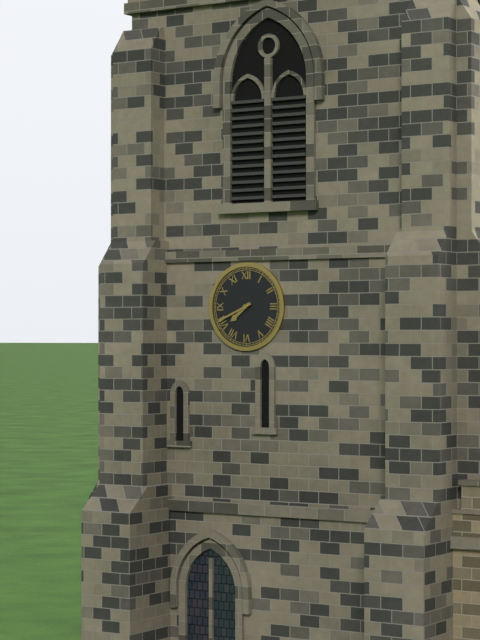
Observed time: **7:41**
